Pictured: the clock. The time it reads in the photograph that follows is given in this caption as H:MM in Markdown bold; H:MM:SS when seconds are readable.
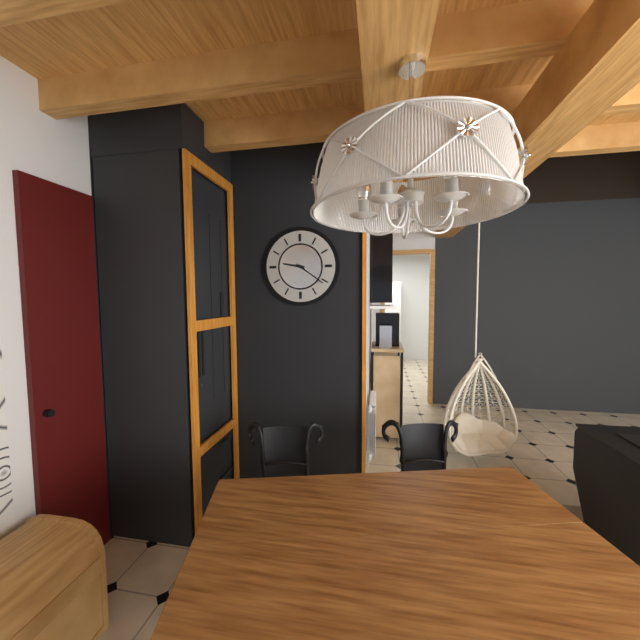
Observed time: **9:21**
